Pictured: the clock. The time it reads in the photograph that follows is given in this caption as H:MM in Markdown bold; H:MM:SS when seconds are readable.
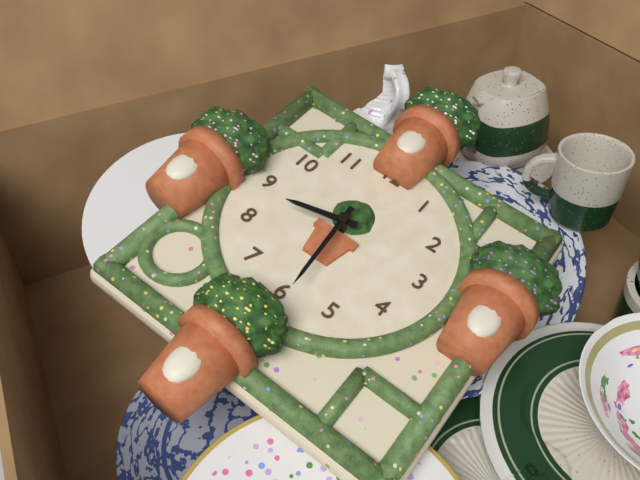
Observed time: **8:29**
